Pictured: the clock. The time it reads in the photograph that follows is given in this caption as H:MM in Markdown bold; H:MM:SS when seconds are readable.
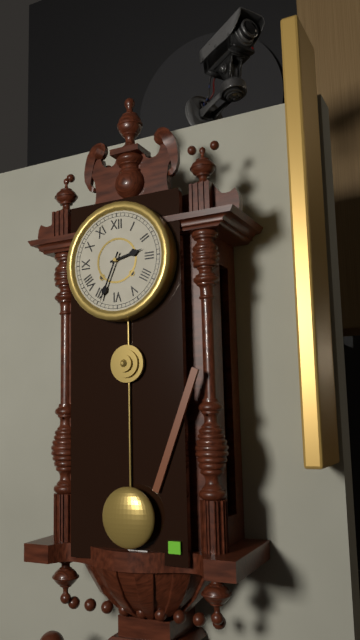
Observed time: **2:34**
